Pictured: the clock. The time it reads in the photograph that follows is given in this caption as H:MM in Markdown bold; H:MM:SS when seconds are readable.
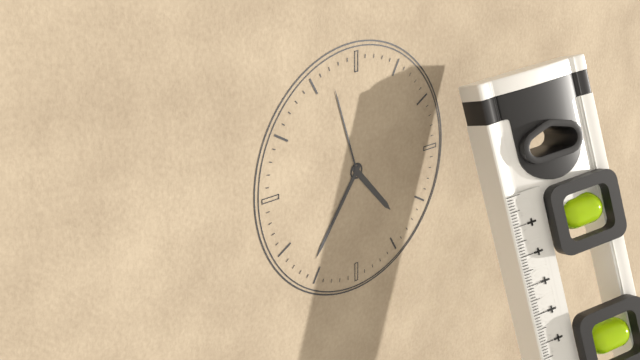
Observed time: **4:36:57**
